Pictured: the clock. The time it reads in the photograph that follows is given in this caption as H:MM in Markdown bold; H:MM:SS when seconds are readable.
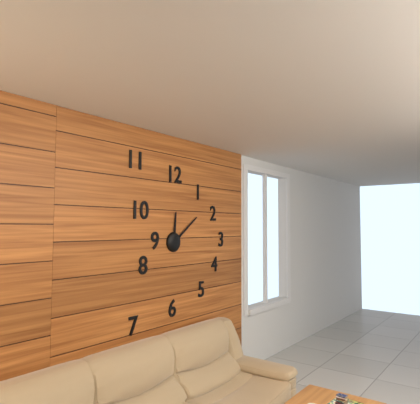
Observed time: **12:09**
